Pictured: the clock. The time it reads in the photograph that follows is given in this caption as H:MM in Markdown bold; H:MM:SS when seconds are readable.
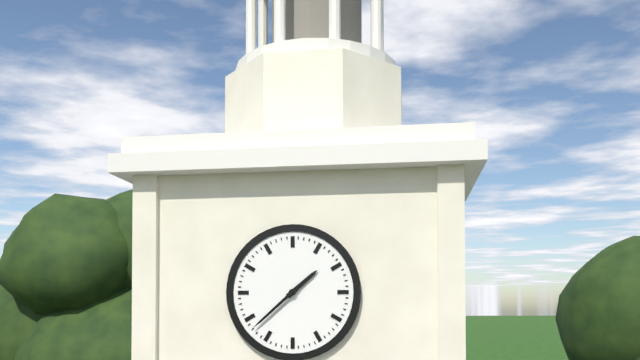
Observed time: **1:38**
